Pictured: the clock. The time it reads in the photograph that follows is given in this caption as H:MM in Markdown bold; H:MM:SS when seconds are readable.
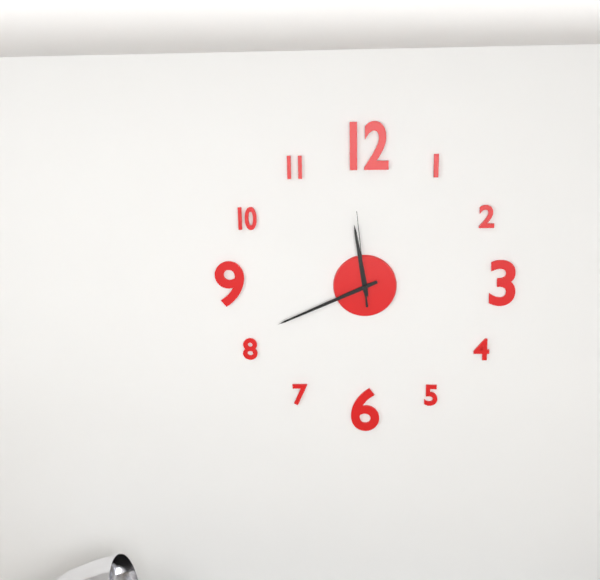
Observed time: **11:41:59**
